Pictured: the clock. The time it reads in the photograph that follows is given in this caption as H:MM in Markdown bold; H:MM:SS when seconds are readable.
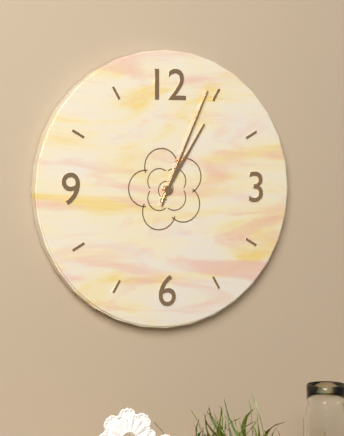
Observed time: **1:04**
